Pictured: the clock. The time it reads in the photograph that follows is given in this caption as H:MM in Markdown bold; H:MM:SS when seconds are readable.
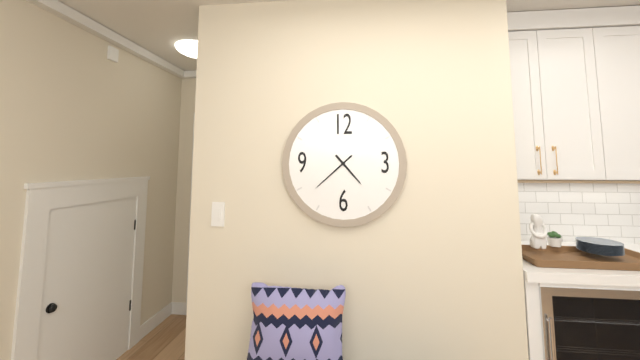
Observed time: **4:38**
